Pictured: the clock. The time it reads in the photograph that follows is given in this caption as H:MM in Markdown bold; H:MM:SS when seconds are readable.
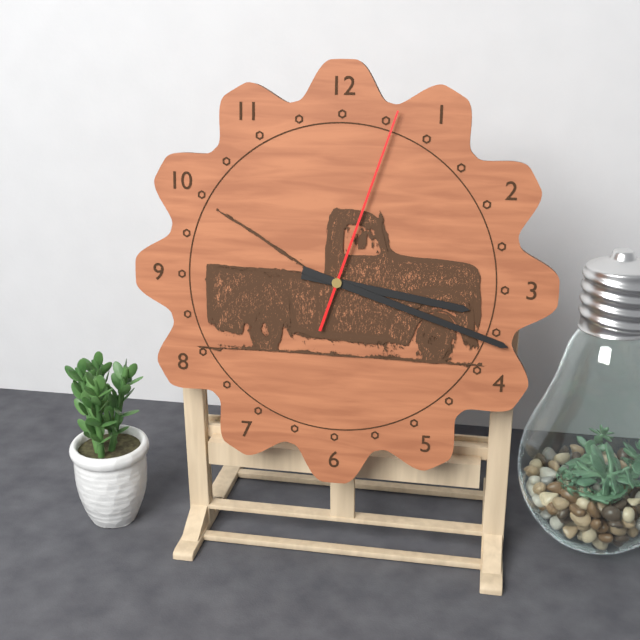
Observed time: **3:18:03**
